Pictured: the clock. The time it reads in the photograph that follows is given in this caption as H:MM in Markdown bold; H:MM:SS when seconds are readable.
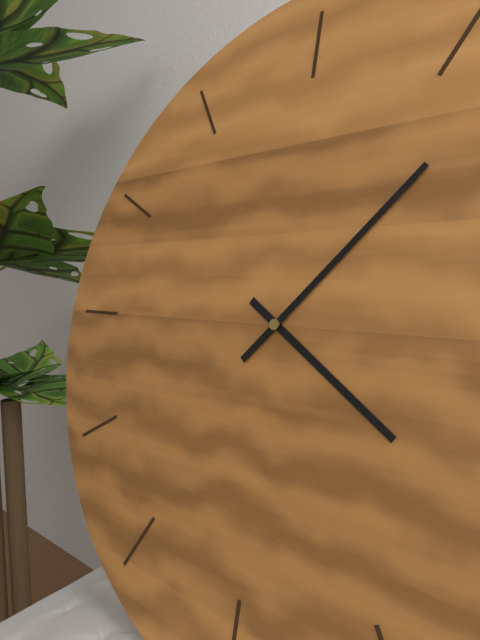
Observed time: **4:07**
